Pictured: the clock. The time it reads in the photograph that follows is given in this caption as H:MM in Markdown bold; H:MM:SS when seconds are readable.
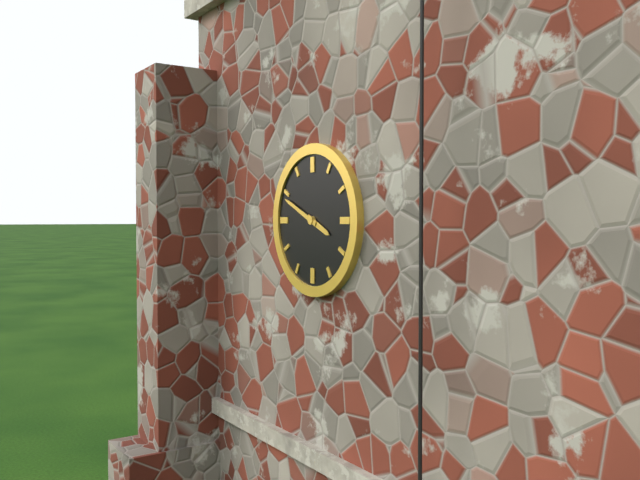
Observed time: **3:49**
